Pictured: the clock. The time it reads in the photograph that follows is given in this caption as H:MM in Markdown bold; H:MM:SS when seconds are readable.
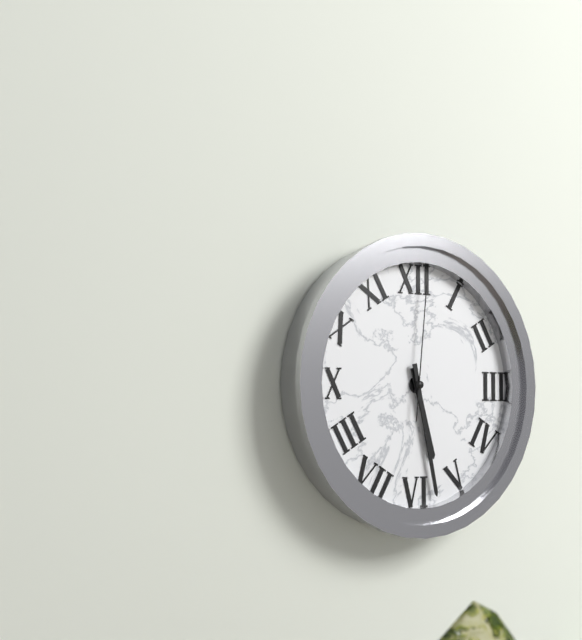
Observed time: **5:28:01**
